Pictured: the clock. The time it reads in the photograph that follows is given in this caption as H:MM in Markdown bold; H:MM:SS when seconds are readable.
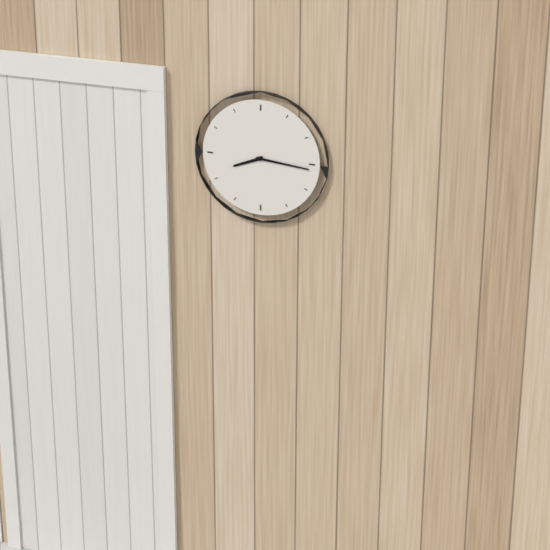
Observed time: **8:16**
